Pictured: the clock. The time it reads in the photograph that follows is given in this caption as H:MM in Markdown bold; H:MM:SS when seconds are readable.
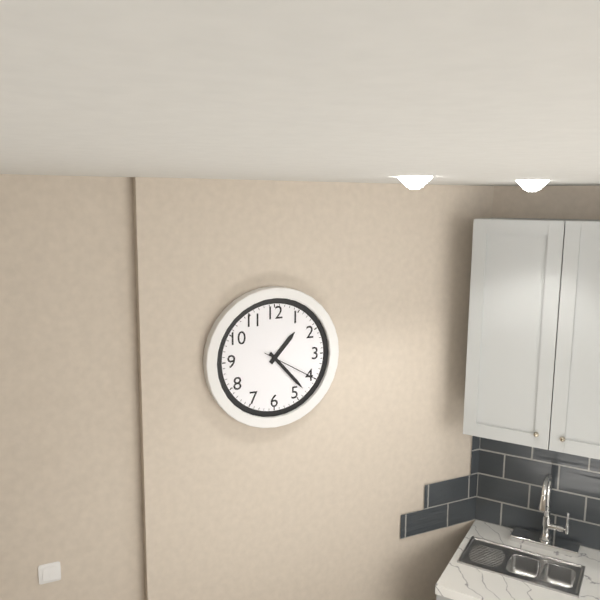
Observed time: **1:23:20**
